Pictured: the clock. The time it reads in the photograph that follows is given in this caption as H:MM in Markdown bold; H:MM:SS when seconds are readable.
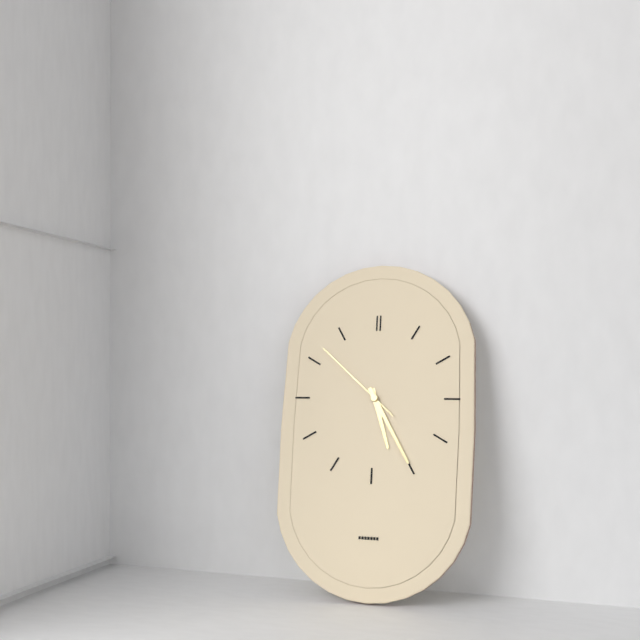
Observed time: **5:25:52**
